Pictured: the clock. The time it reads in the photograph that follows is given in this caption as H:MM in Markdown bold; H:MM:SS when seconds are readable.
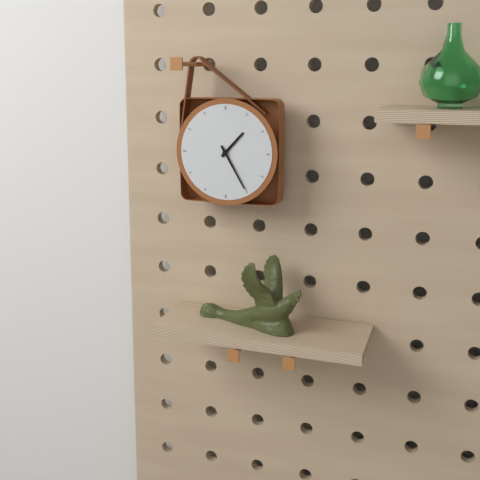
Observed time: **1:25**
